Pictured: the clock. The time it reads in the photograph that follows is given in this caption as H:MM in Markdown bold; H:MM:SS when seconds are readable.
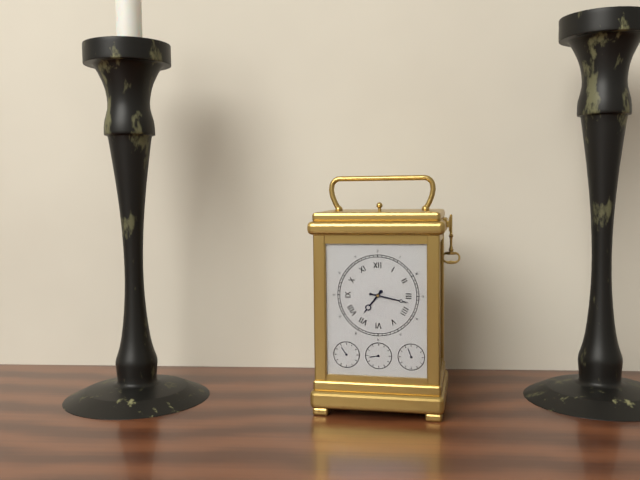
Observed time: **7:17**
